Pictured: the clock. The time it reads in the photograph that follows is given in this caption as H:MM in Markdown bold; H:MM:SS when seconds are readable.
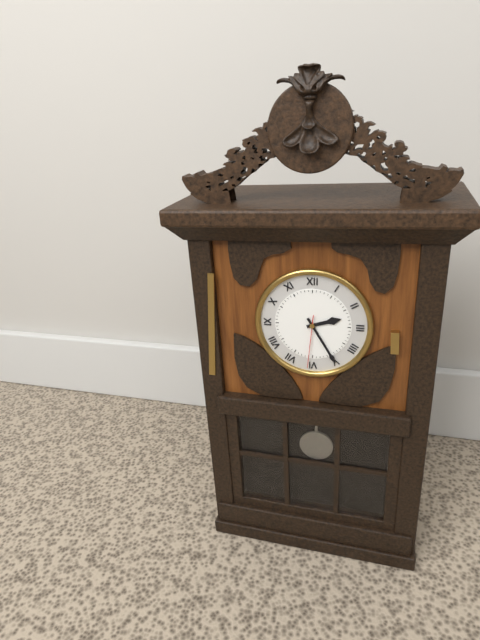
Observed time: **2:25:31**
